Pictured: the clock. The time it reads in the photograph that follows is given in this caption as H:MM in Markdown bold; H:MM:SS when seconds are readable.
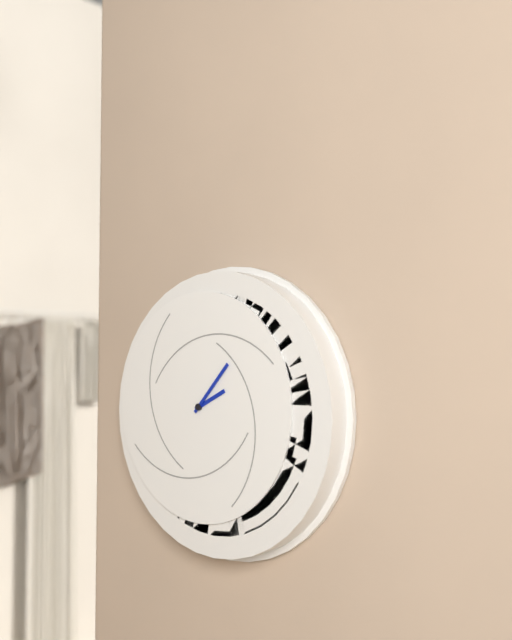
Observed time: **2:07**
